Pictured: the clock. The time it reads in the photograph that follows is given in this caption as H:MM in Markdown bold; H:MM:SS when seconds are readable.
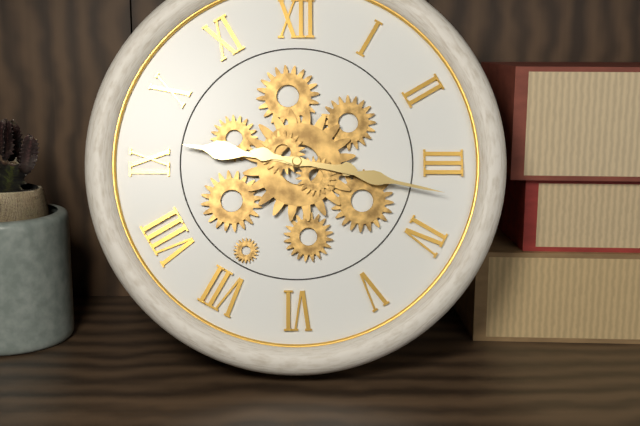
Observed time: **9:17**
